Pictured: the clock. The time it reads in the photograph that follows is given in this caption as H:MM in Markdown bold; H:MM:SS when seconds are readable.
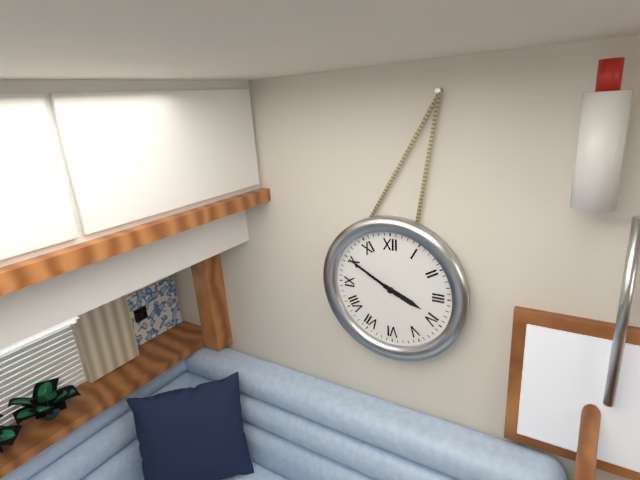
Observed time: **3:50**
